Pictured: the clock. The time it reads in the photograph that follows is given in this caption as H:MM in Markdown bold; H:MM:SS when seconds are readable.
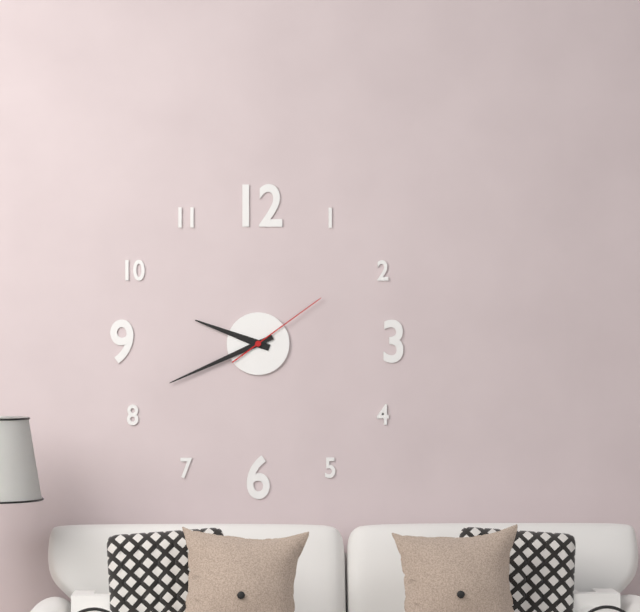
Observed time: **9:41:09**
